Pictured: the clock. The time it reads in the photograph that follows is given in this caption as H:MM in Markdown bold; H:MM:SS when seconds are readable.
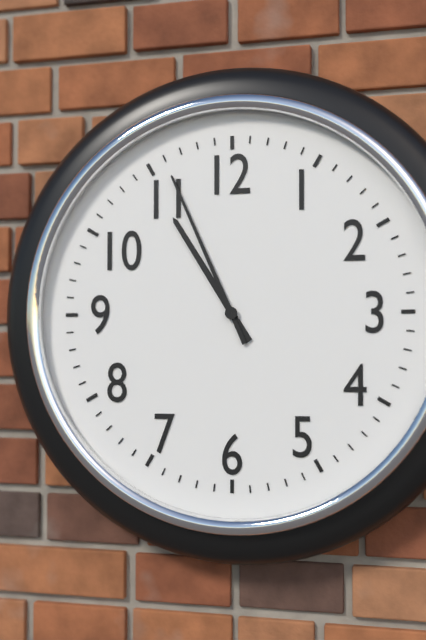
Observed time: **10:56**
